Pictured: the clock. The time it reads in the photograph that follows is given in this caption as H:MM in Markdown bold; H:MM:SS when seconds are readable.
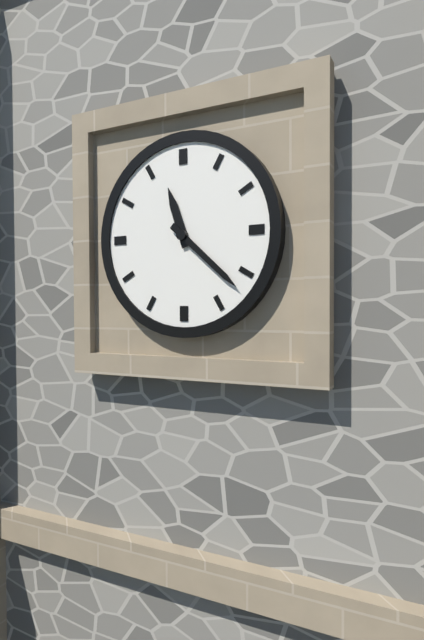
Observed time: **11:22**
